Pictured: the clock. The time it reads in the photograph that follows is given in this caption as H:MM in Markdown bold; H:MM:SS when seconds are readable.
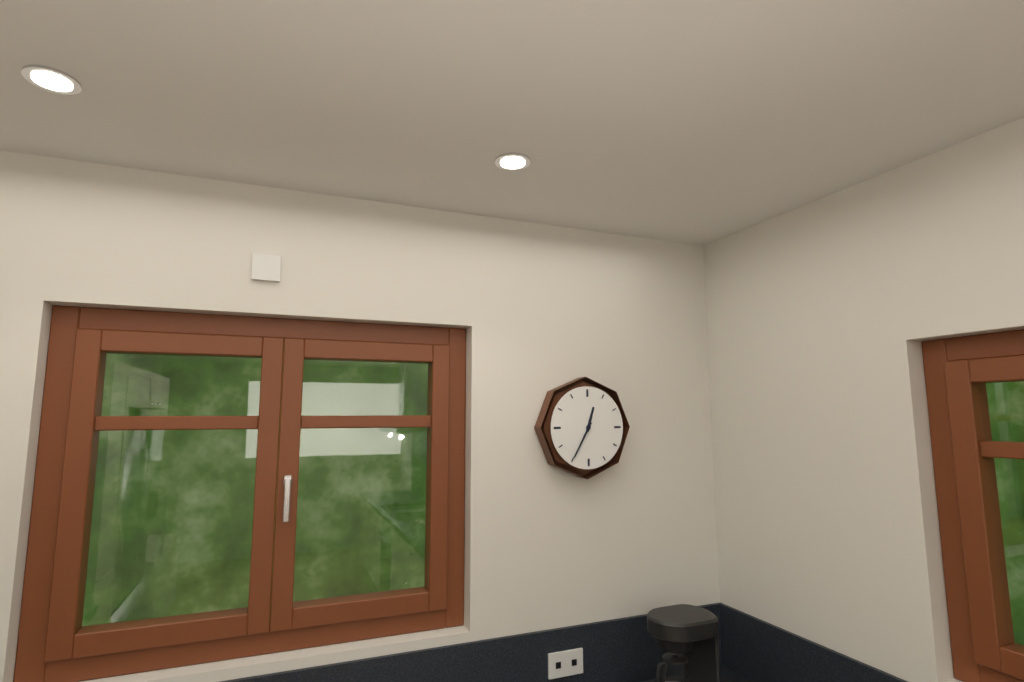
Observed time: **12:35**
